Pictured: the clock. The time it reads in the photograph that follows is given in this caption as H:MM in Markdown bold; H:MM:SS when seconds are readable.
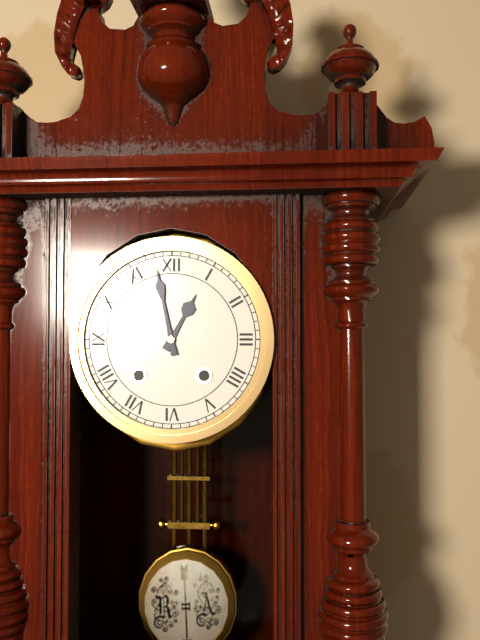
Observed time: **12:58**
